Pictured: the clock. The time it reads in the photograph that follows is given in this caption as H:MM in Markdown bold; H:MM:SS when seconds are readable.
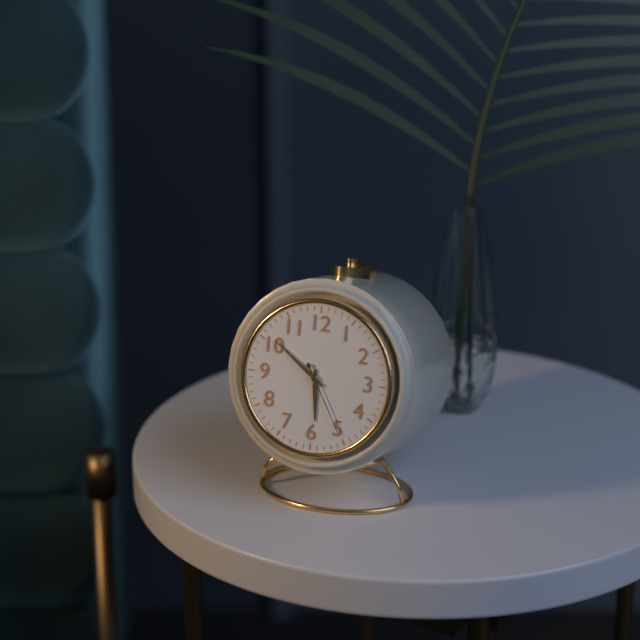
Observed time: **5:51:25**
